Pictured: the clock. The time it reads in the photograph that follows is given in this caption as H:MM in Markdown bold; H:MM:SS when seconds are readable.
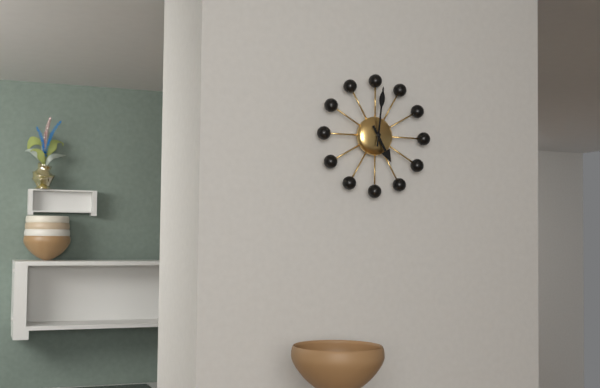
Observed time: **5:01**
